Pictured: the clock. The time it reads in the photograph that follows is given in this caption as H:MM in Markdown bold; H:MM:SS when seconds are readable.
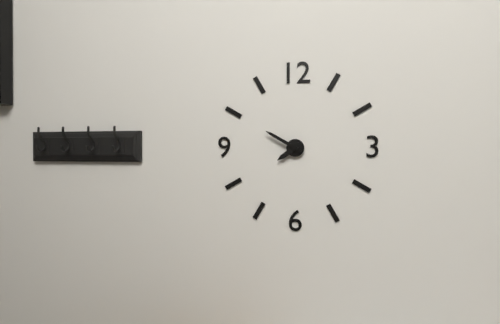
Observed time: **7:50**
